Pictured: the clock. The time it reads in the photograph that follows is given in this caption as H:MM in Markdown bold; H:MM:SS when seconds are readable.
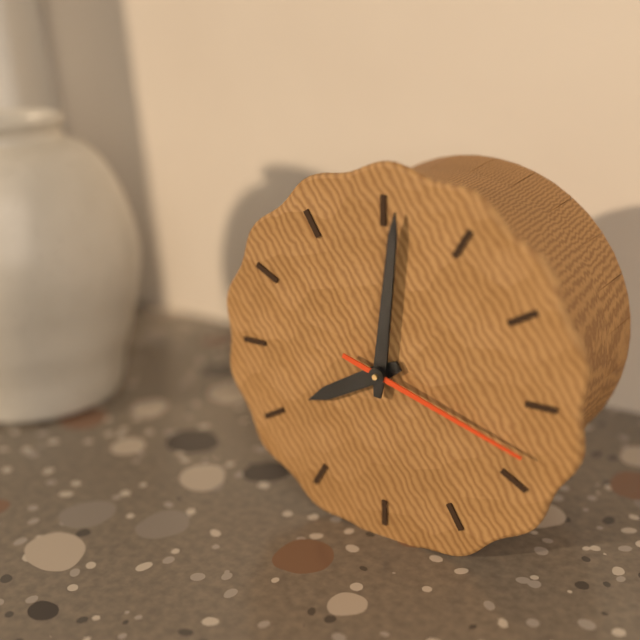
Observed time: **8:01:18**
